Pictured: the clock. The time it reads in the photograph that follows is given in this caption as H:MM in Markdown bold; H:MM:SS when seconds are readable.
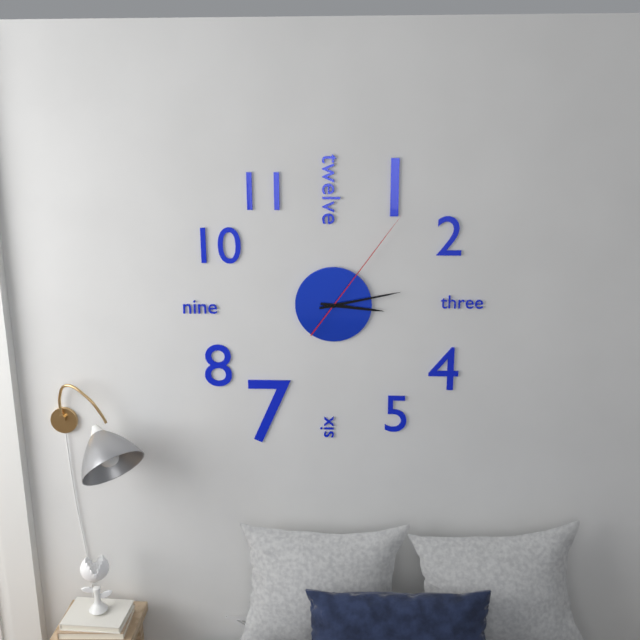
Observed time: **3:13:06**
